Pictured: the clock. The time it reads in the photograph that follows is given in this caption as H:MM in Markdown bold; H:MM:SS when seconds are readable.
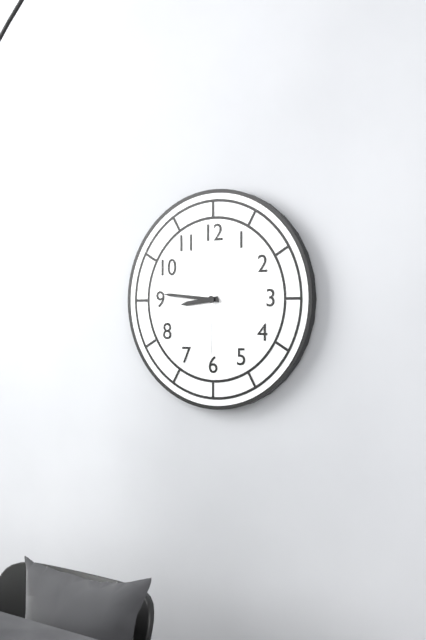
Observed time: **8:46:30**
